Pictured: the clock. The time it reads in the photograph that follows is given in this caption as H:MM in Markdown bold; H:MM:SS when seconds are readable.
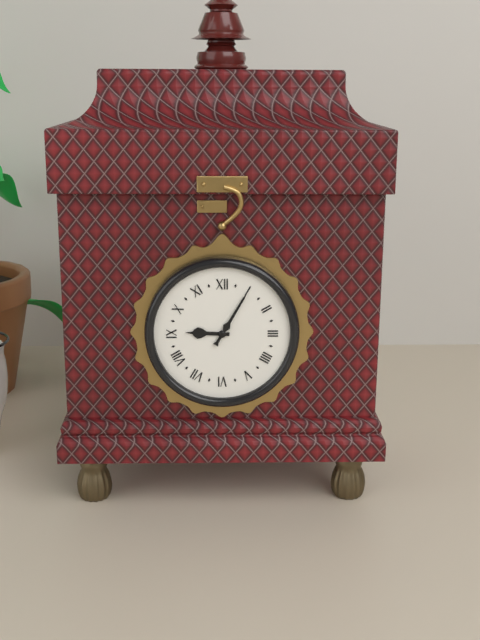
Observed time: **9:05**
